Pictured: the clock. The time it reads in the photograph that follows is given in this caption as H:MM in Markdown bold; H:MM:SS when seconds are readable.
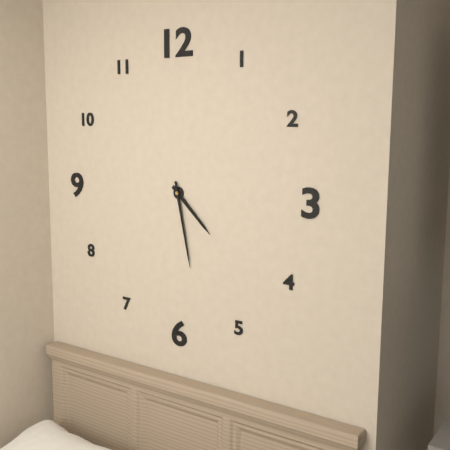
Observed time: **4:28**
